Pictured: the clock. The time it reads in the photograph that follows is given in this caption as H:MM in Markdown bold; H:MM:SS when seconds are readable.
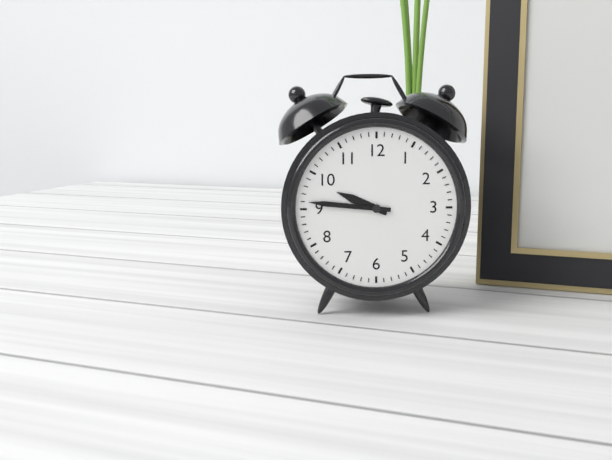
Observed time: **9:46**
